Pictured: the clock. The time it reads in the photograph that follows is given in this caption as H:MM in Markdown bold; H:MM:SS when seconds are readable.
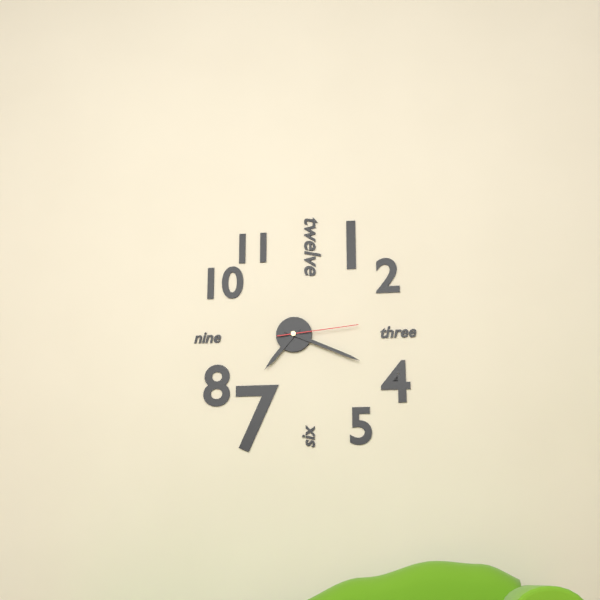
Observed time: **7:19:14**
